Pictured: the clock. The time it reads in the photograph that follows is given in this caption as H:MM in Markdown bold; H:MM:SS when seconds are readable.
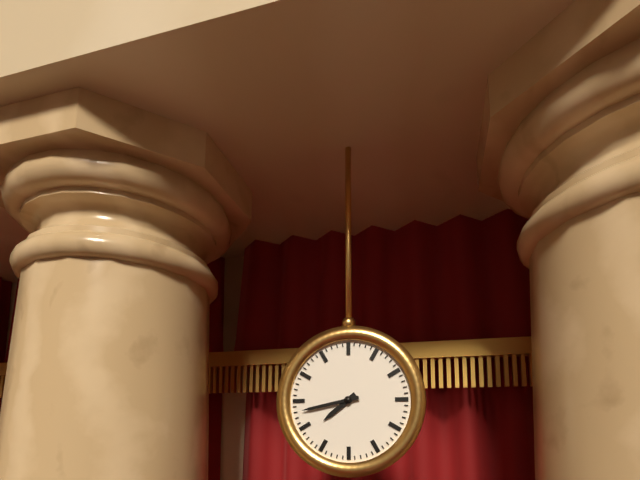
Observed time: **7:43**
